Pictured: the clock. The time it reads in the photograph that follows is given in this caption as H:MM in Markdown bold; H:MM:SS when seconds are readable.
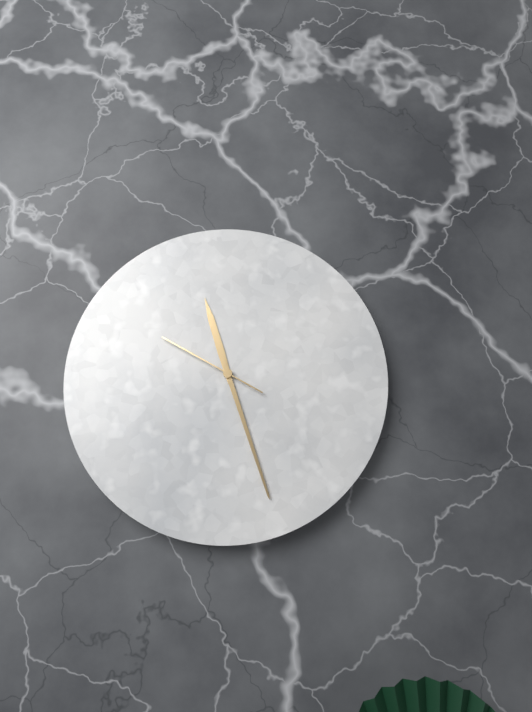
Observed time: **11:27:50**
